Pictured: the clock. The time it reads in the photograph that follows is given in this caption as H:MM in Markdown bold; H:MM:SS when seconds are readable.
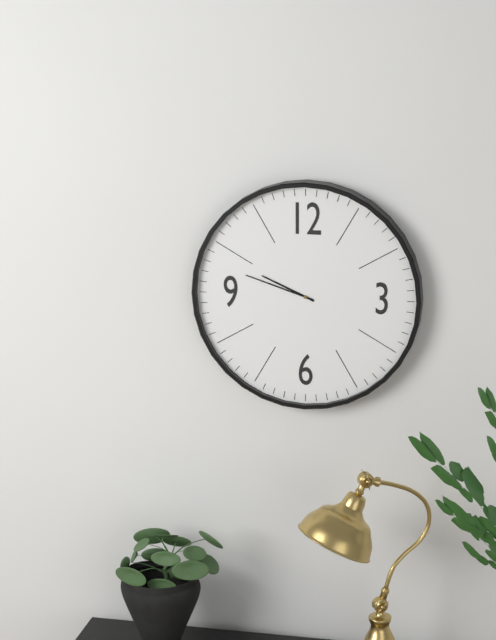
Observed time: **9:48**
